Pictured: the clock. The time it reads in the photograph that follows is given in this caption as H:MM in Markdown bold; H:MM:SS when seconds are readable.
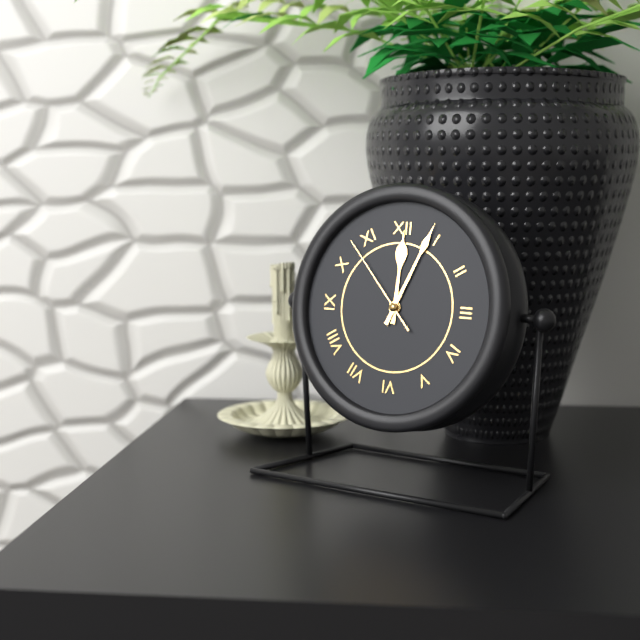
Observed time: **12:04:53**
